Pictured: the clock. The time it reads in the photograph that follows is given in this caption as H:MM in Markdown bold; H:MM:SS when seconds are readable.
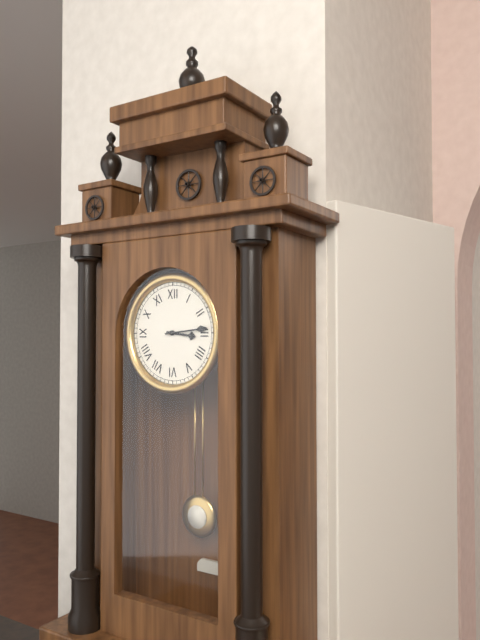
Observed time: **3:14**
